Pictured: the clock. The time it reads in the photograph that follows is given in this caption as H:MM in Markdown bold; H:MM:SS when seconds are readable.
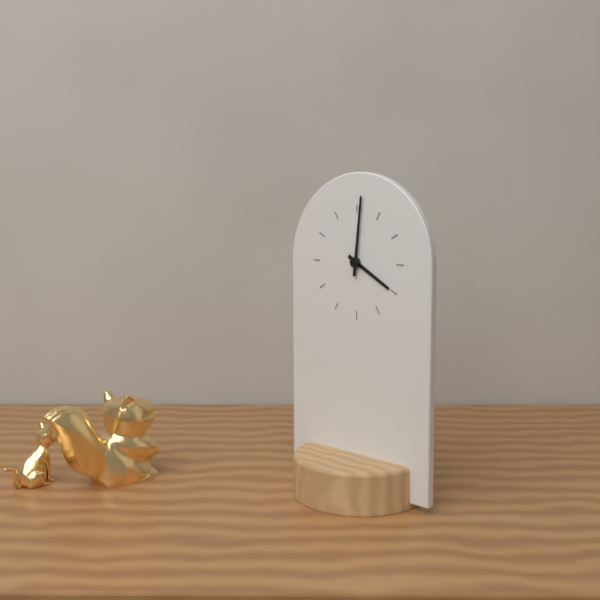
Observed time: **4:01**
